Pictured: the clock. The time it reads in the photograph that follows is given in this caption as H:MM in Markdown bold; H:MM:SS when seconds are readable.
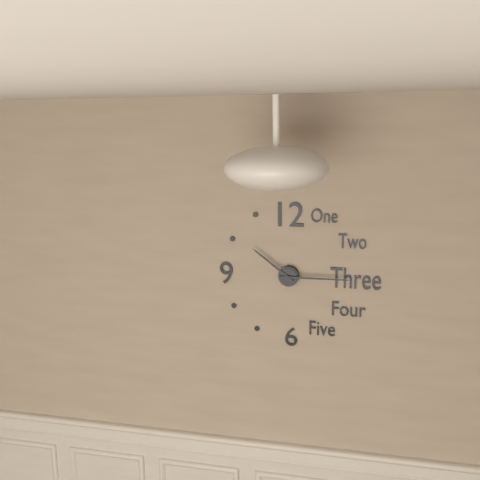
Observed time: **10:15**
